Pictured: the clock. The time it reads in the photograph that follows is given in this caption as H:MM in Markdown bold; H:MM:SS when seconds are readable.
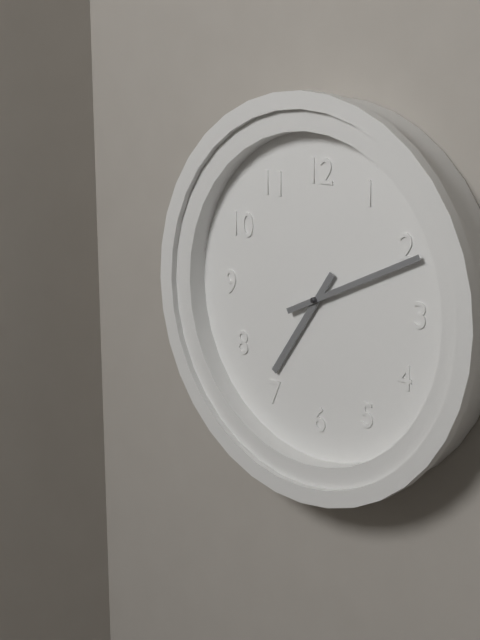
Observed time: **7:11**
